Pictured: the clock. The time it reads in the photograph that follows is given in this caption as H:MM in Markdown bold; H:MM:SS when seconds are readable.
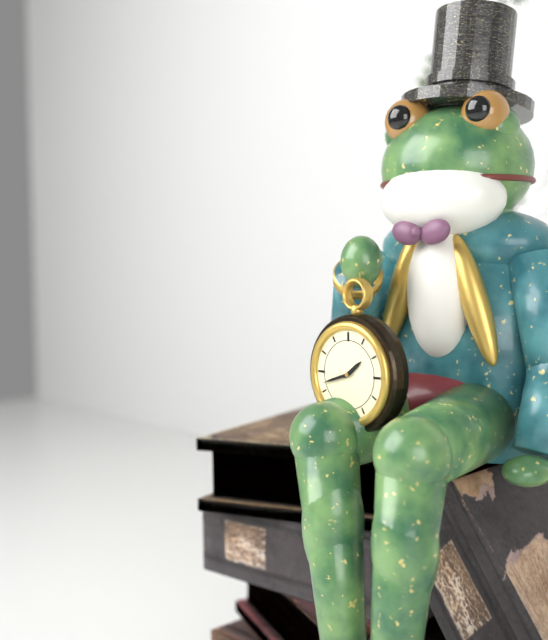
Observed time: **1:42**
